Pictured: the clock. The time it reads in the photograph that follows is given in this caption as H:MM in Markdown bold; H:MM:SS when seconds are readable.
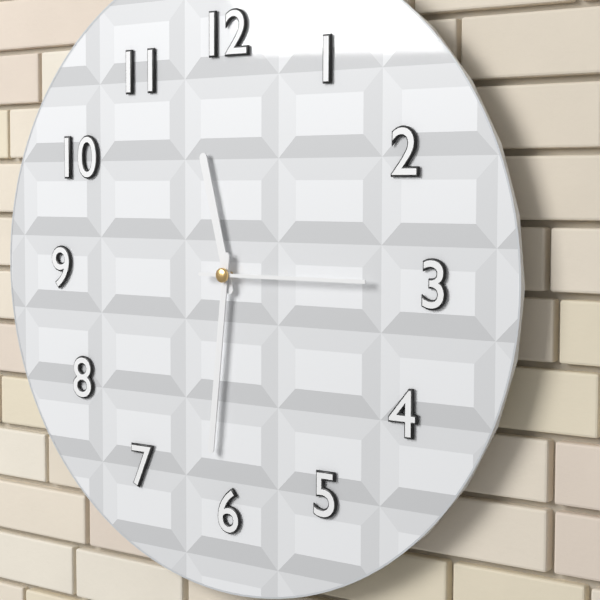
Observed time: **11:31:15**
